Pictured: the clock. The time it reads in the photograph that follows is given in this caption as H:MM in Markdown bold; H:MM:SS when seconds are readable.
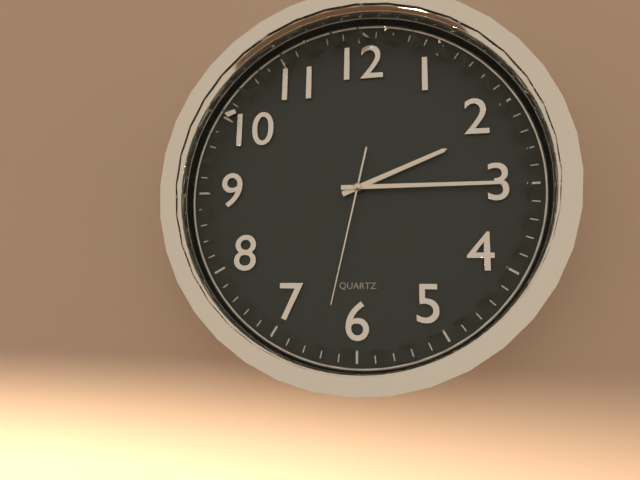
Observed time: **2:15:32**
